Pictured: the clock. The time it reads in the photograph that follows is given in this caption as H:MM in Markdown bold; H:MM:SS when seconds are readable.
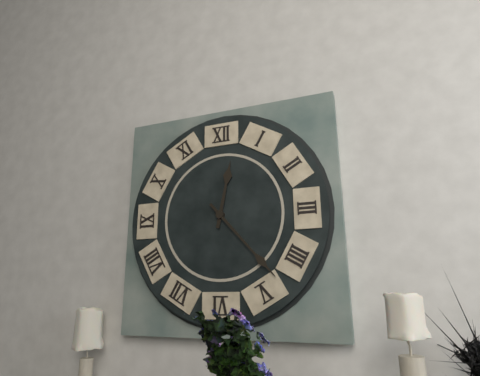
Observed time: **12:23**
